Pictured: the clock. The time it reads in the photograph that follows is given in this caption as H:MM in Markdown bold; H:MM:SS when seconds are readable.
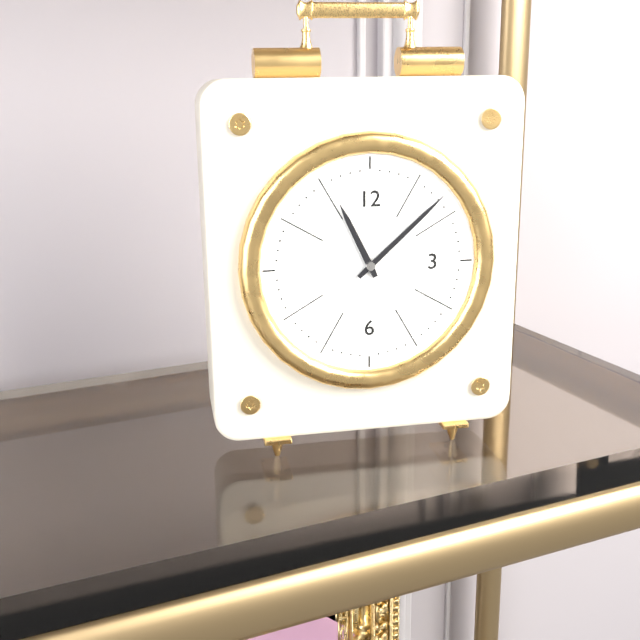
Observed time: **11:08**
